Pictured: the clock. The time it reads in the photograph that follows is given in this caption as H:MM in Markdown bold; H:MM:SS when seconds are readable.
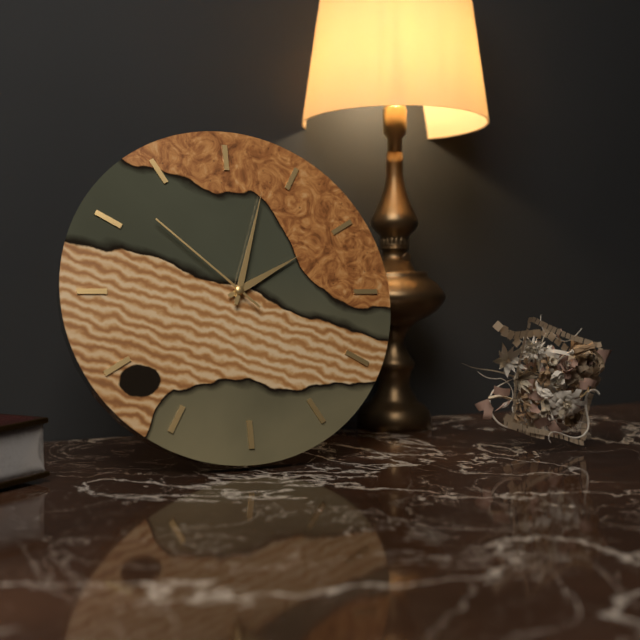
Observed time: **2:03:52**
